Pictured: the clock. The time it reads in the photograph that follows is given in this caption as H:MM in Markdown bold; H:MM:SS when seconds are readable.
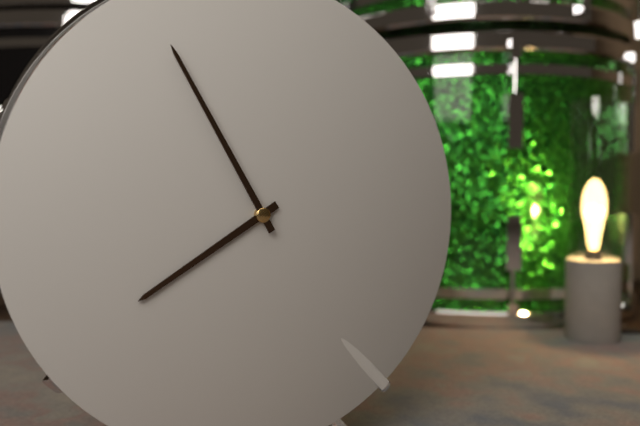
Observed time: **7:55**
